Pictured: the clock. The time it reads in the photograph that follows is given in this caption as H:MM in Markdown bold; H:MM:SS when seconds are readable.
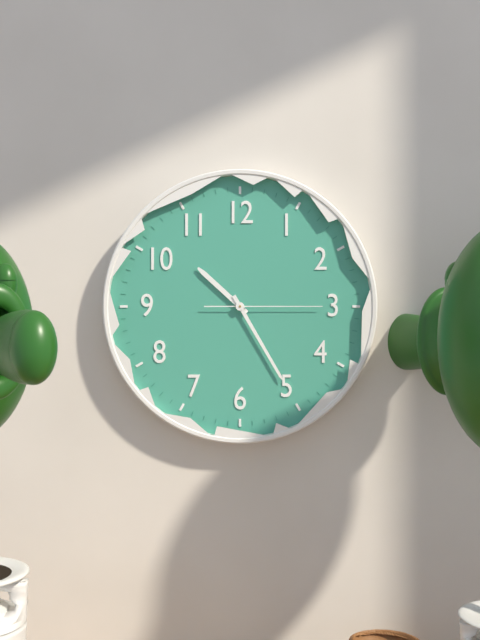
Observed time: **10:25:15**
